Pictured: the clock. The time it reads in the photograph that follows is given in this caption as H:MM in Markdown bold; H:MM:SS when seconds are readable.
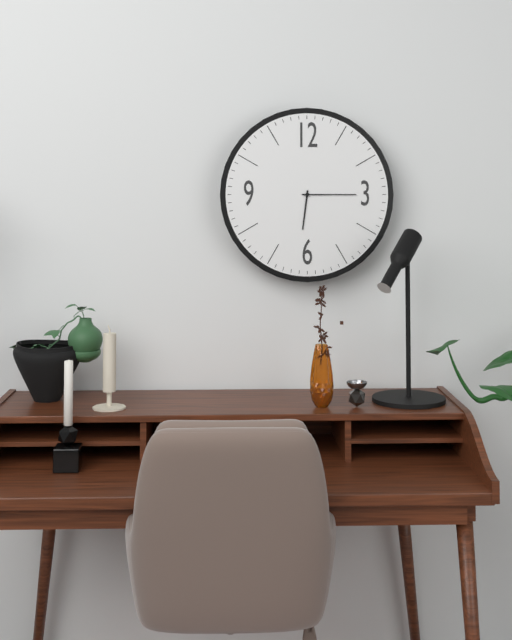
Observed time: **6:15**
